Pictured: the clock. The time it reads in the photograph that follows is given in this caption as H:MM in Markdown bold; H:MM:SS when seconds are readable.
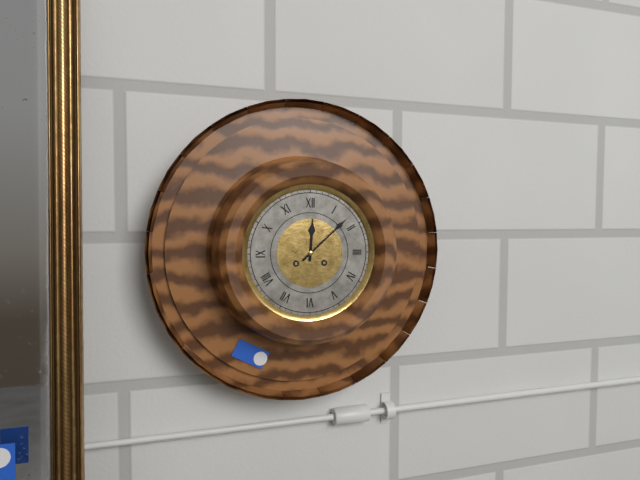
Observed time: **12:08**
